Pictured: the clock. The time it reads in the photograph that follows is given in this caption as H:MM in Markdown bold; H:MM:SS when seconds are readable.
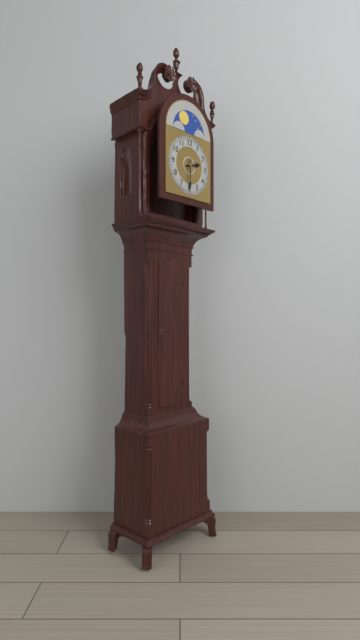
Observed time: **2:30**
